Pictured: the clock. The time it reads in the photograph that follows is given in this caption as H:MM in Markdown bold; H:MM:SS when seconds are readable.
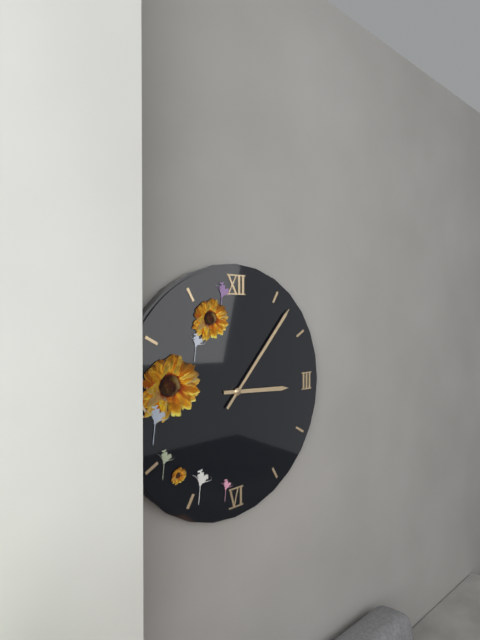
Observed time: **3:07**
